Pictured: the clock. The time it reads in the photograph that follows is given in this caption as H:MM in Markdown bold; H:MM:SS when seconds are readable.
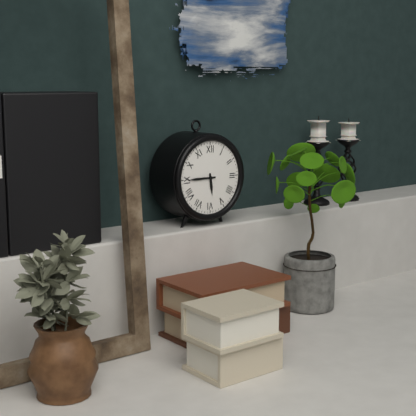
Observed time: **5:45**
